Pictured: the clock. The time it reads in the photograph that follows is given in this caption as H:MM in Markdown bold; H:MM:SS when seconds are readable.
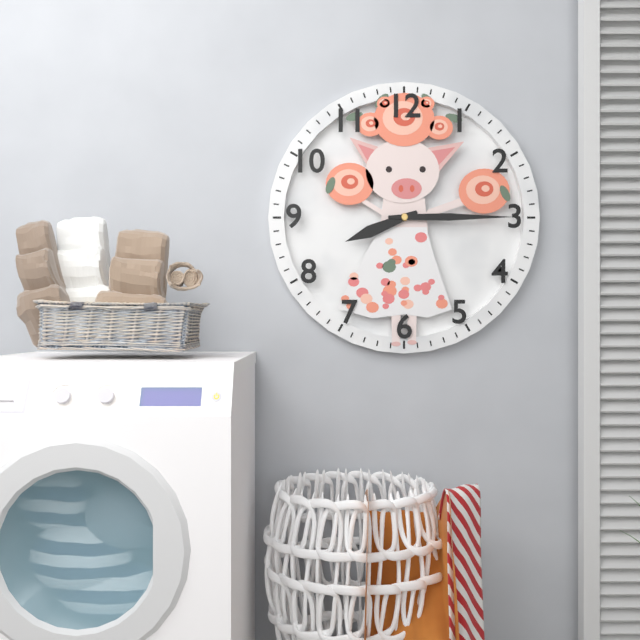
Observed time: **8:15**
